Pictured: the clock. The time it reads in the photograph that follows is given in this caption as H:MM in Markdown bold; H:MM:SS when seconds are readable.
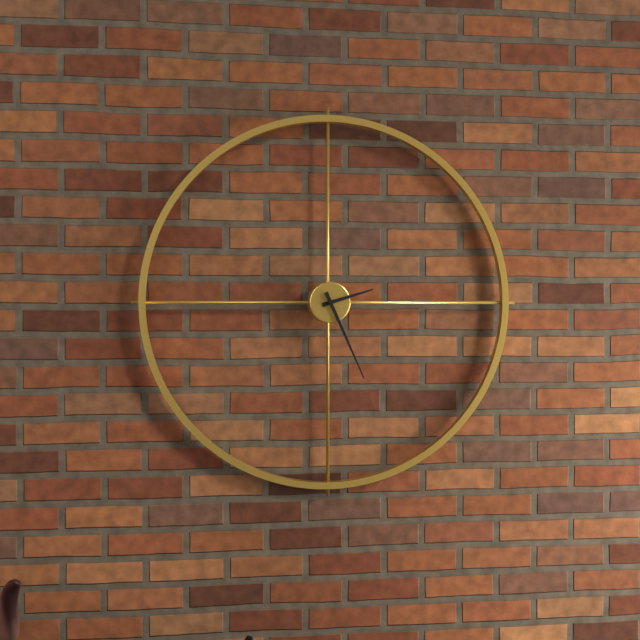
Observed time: **2:26**
